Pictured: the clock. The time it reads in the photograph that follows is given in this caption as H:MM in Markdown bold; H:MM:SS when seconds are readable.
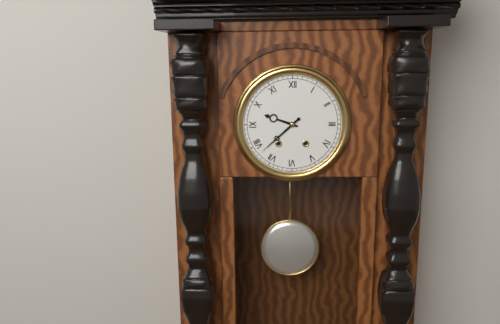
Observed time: **9:38**
